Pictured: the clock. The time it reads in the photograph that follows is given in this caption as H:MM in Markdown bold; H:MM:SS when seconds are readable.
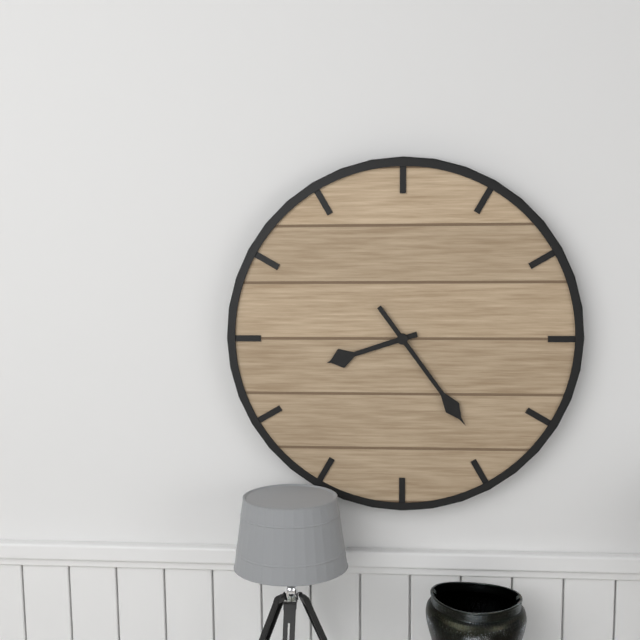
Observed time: **8:24**
